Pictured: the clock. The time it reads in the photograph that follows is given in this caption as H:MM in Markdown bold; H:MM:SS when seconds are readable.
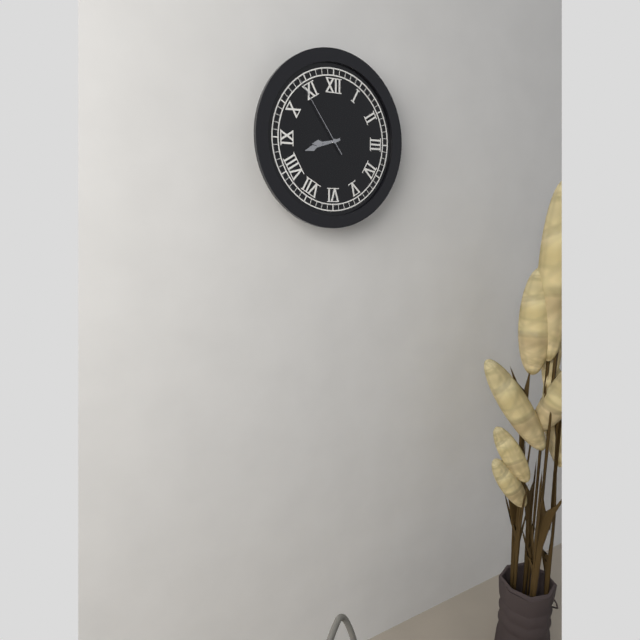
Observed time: **8:42:54**
